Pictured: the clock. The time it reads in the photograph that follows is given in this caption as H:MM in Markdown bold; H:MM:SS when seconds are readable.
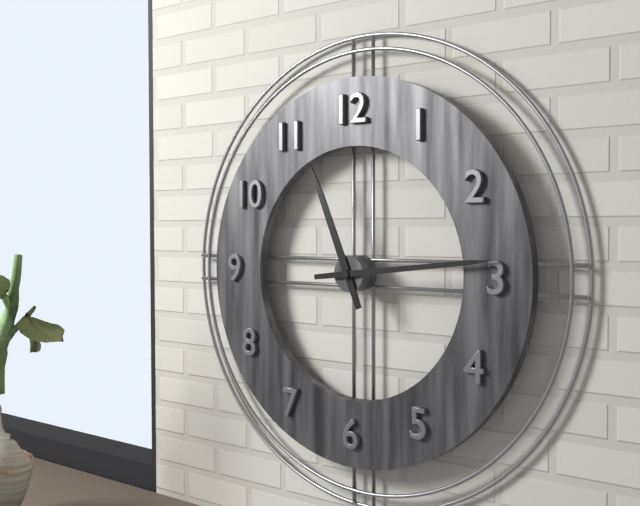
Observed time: **11:14**
